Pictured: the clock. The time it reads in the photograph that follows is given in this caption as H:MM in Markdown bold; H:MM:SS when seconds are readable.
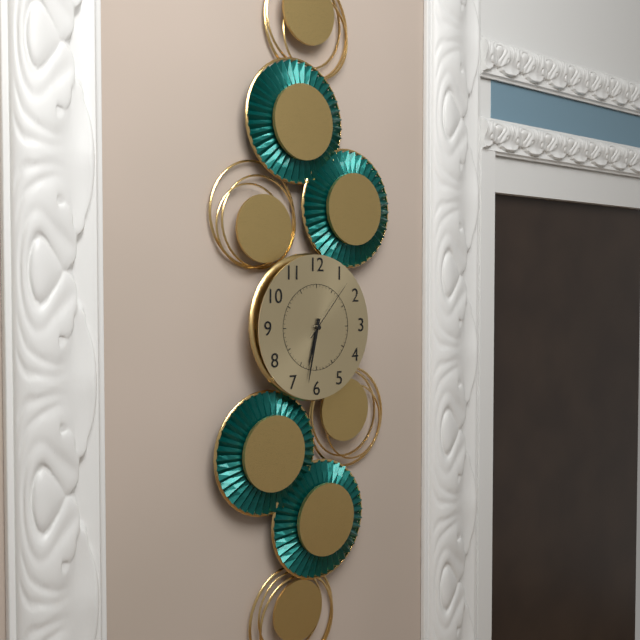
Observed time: **6:32:07**
